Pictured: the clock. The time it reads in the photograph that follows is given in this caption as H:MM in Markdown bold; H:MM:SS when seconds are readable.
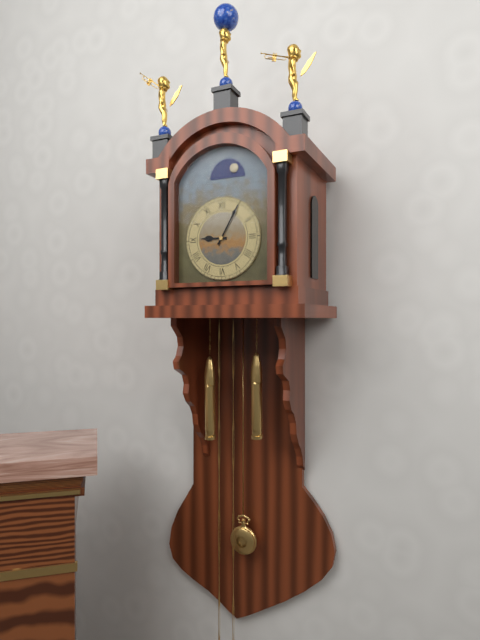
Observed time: **9:05**
